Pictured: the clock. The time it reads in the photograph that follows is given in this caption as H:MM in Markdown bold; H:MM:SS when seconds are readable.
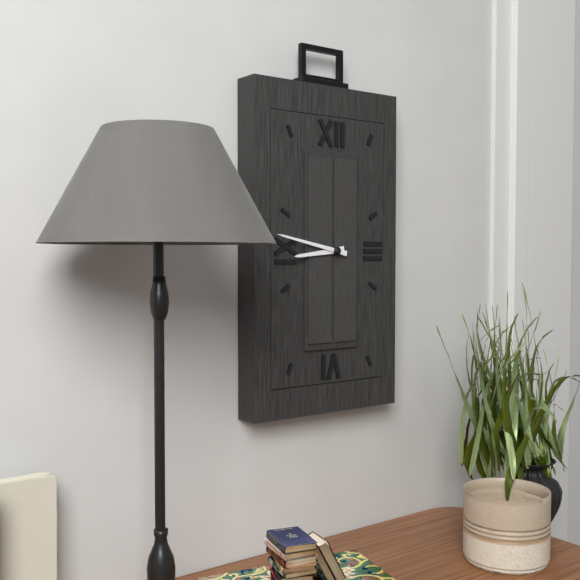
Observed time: **8:47**
